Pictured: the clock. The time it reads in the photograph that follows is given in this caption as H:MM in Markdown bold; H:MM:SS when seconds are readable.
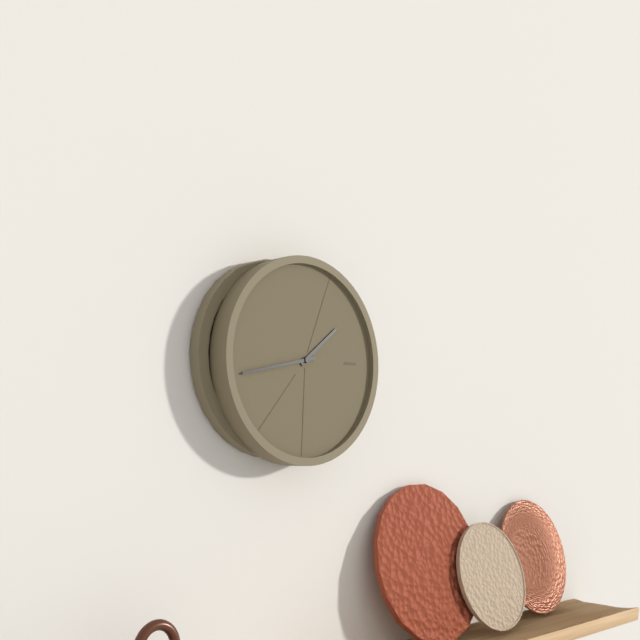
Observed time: **1:43**
